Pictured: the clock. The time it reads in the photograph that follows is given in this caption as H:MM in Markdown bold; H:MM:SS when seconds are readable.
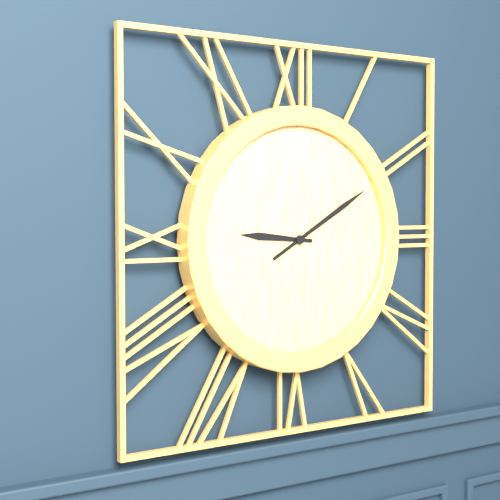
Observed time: **9:10**
